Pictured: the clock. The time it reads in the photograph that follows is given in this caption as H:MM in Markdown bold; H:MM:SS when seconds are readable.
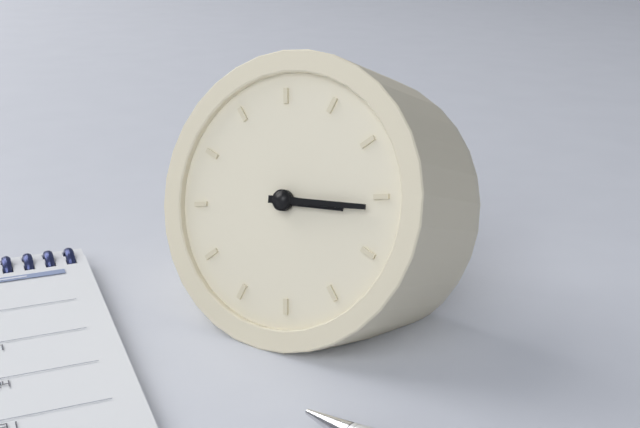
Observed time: **3:16**
